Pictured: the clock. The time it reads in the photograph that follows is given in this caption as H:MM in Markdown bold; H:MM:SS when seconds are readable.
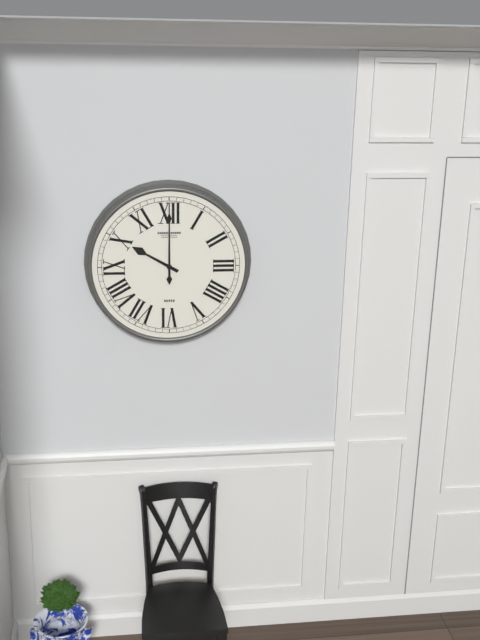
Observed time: **10:00**
